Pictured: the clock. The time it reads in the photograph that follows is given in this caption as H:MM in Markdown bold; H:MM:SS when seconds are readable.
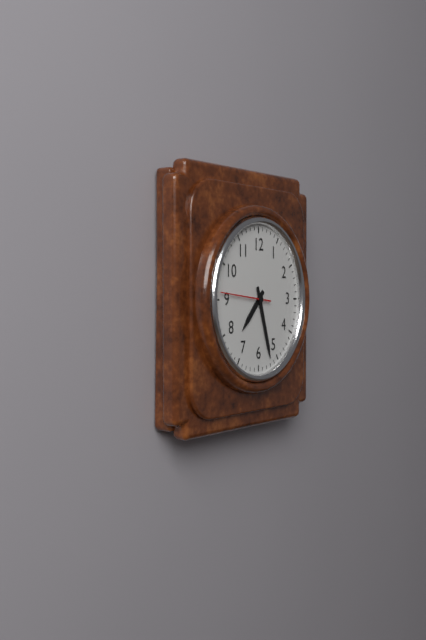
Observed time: **7:27**
